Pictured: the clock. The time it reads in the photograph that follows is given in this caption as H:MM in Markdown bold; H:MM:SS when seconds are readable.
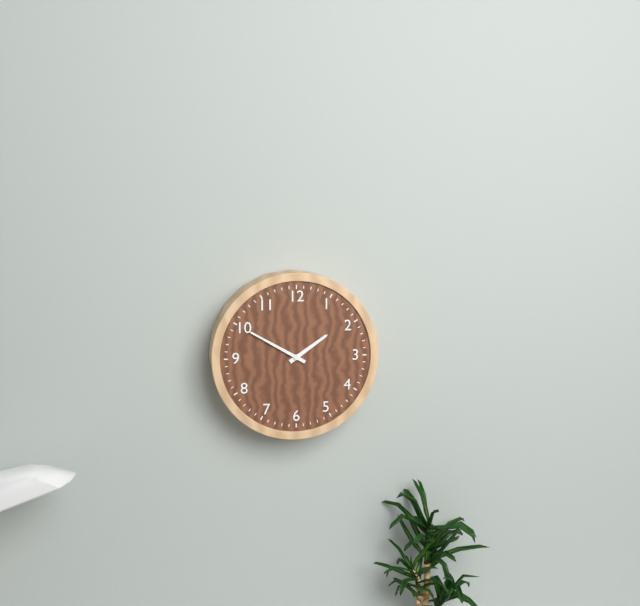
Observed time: **1:50**
